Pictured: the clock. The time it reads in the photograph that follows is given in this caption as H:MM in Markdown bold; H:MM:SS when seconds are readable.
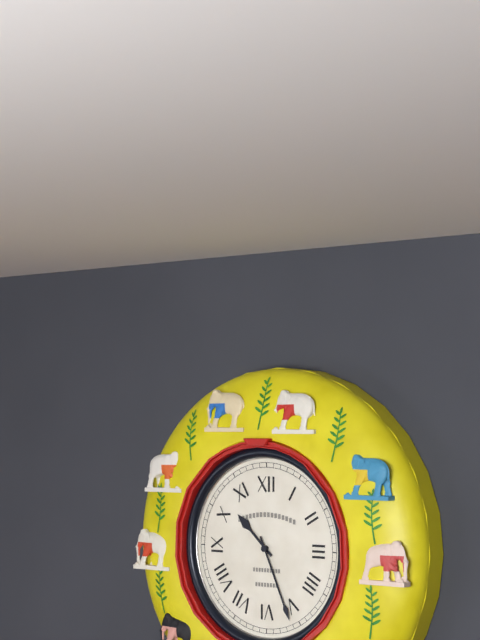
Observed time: **10:26**
